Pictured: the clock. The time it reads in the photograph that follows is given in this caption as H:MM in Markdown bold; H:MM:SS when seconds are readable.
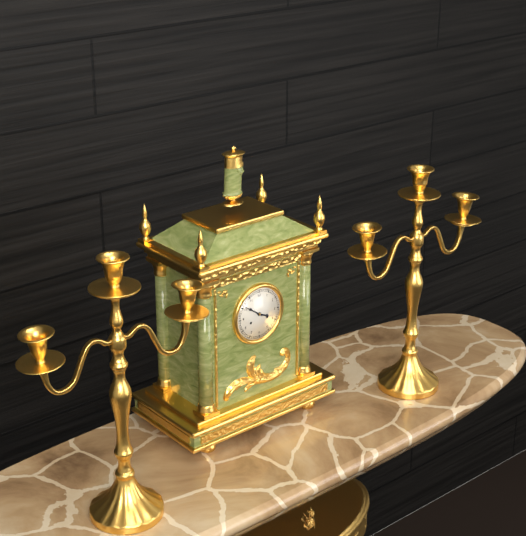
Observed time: **3:51**
